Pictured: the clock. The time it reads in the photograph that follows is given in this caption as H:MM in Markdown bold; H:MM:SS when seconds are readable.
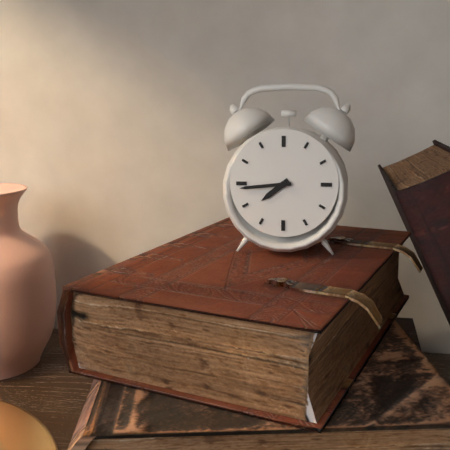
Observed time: **7:44**
